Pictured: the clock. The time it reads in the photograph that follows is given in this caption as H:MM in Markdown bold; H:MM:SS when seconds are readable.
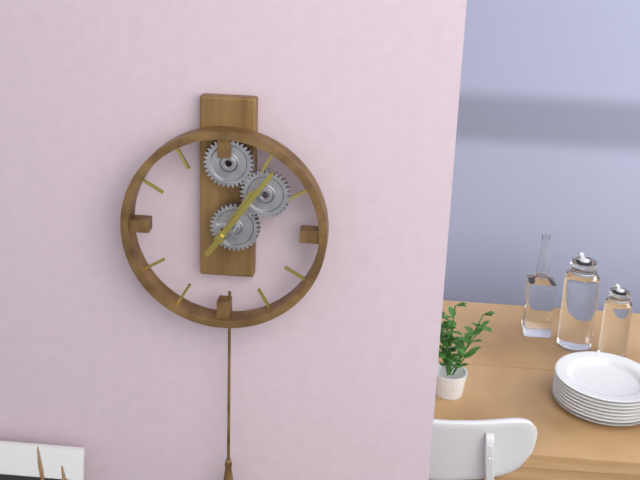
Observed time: **1:06**
